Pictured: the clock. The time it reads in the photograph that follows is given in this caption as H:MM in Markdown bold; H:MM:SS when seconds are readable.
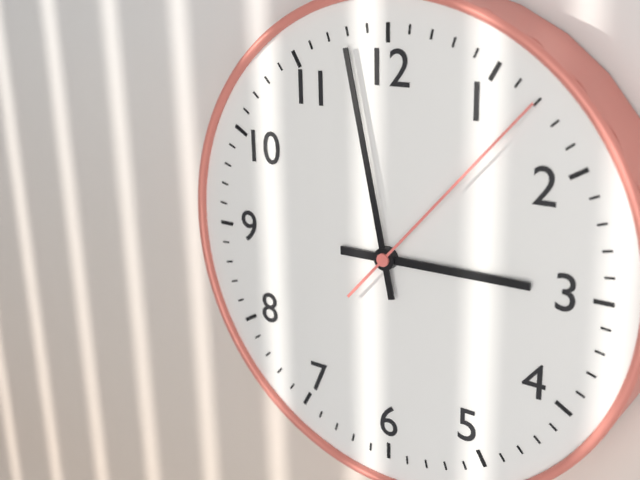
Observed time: **2:58:07**
